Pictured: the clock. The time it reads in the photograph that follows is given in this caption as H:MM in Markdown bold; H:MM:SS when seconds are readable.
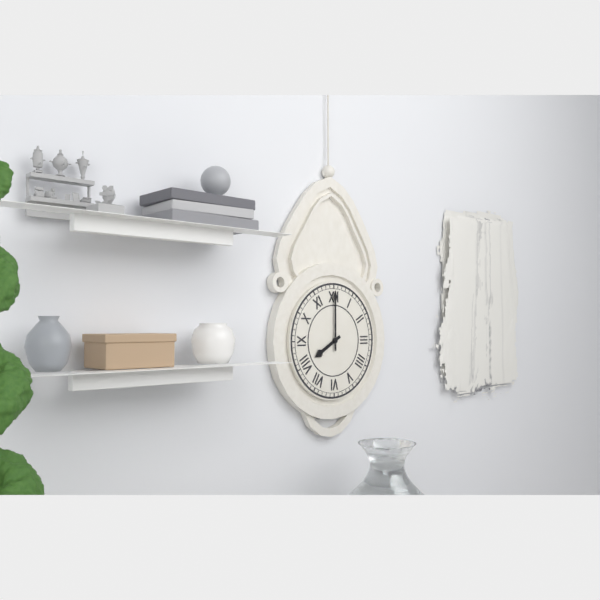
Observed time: **8:00**
